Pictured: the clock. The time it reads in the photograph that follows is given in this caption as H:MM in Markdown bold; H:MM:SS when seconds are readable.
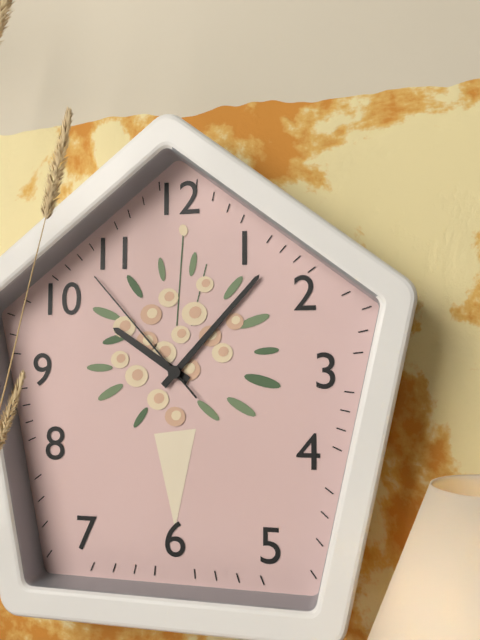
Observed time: **10:07:53**
